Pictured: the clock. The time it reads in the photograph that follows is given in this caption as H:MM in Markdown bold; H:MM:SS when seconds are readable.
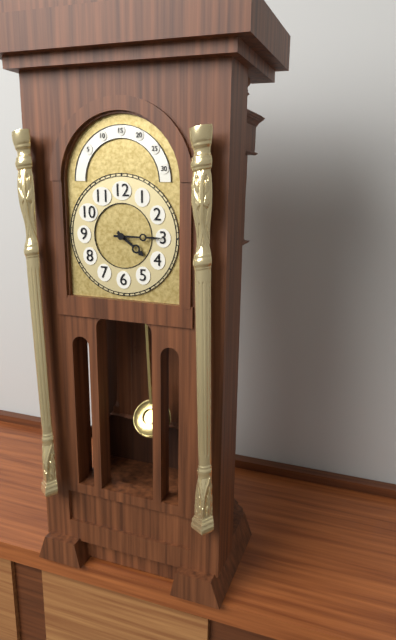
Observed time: **4:15**
